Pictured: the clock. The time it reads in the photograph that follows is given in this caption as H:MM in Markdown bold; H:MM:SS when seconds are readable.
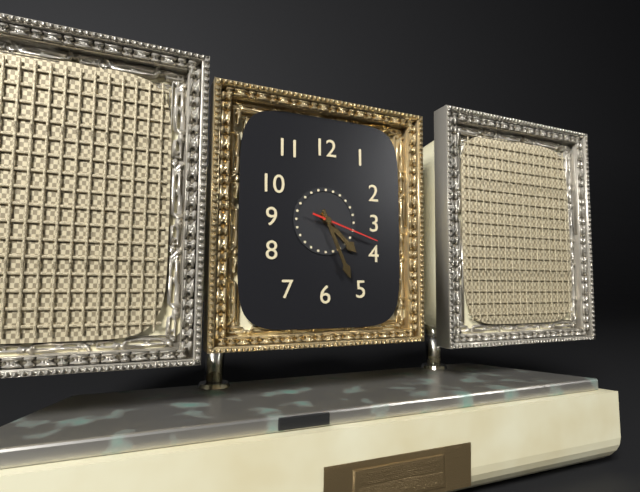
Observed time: **4:26:18**
